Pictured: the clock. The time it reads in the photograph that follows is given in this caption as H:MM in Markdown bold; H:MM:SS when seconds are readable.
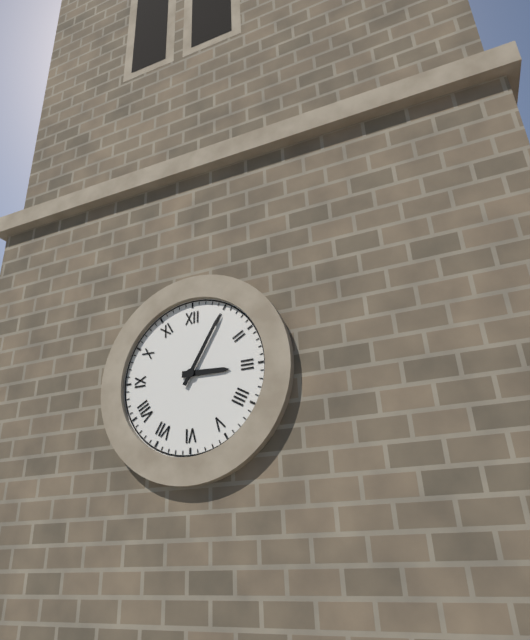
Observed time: **3:05**
